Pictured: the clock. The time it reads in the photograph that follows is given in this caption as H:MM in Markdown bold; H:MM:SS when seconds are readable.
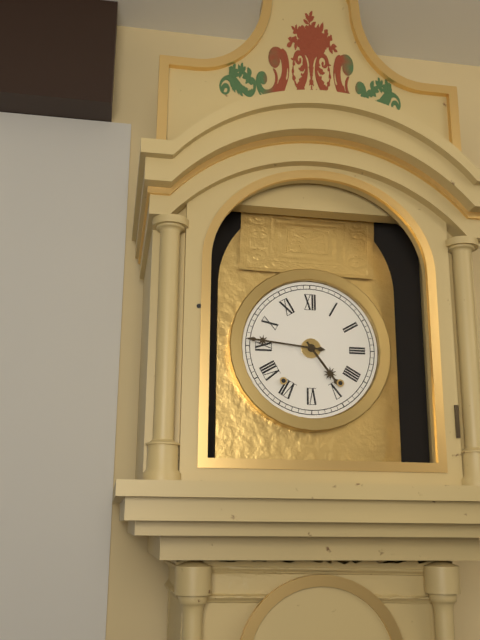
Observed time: **4:46**
